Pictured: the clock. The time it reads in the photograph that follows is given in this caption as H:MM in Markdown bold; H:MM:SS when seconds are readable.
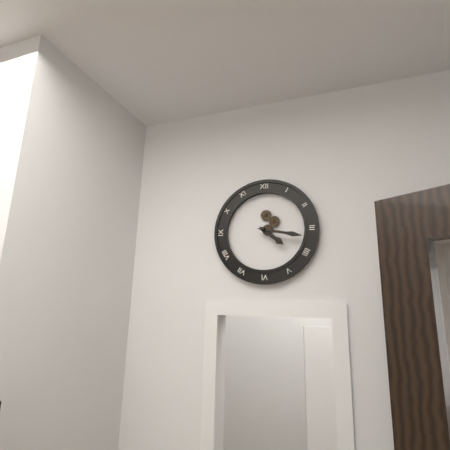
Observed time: **4:17**
